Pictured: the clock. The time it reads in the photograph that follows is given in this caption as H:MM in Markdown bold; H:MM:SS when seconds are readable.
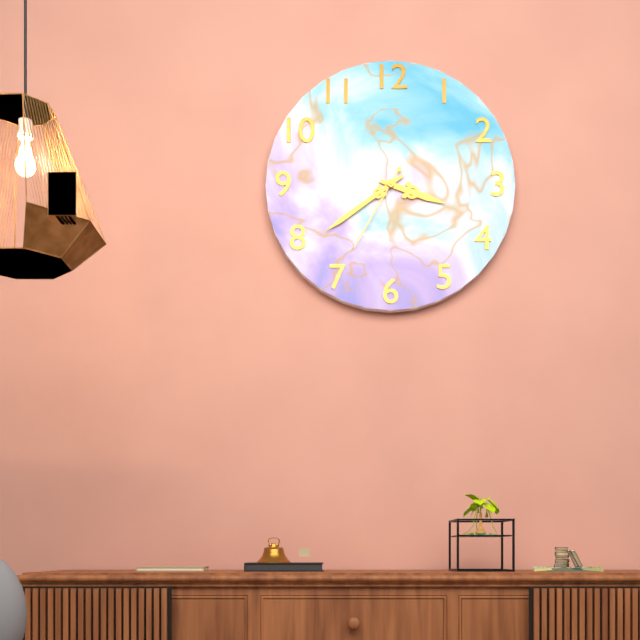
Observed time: **3:39:35**
